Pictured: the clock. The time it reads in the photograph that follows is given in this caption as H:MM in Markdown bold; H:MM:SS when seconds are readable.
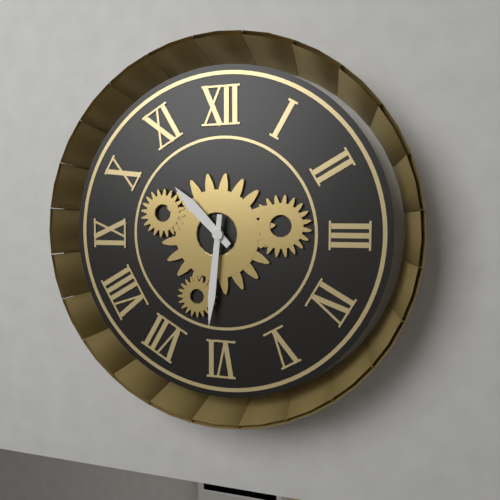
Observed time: **10:31**
